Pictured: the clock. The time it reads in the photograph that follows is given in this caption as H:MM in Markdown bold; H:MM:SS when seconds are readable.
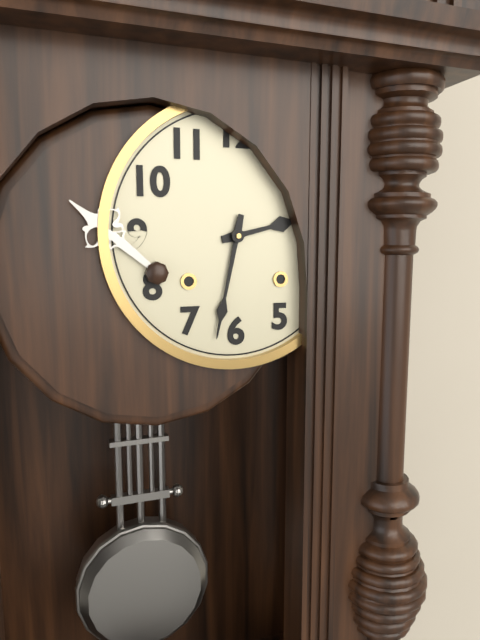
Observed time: **2:32**
